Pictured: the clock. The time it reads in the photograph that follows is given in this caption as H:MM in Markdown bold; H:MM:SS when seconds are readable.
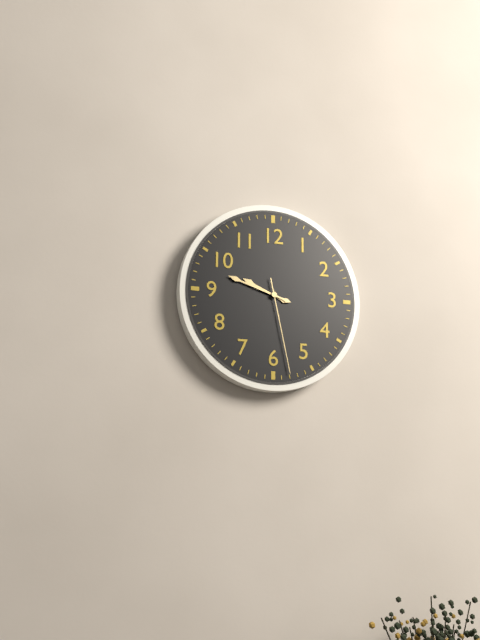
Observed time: **9:48:28**
